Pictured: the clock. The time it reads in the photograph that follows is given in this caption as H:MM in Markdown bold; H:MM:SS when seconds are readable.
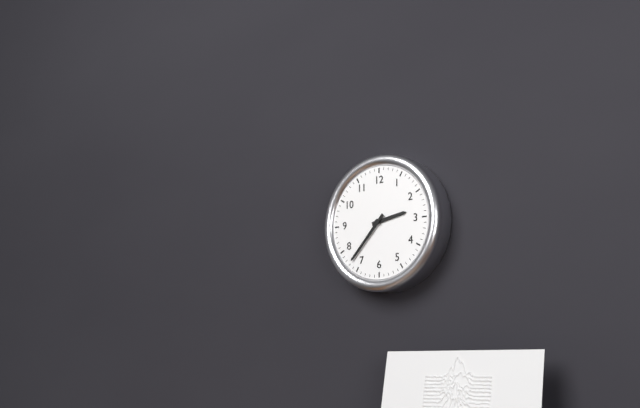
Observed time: **2:37**
